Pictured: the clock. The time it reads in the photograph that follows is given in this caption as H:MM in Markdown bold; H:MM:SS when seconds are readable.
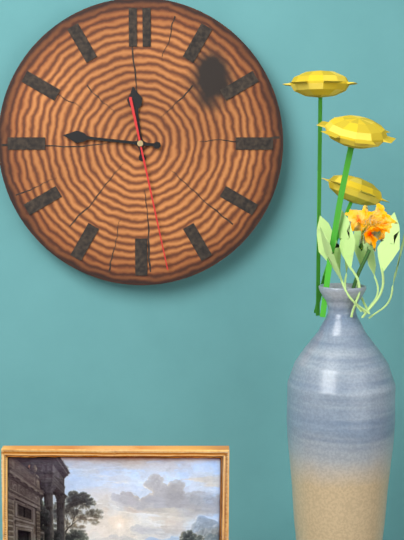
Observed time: **11:46:28**
